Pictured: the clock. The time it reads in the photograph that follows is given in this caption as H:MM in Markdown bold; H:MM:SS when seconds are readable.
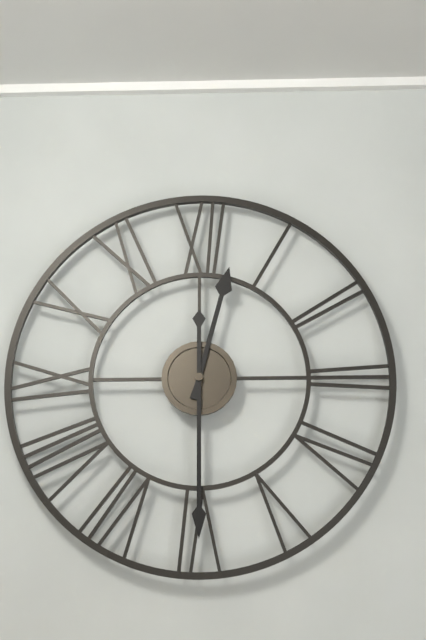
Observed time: **12:30**
